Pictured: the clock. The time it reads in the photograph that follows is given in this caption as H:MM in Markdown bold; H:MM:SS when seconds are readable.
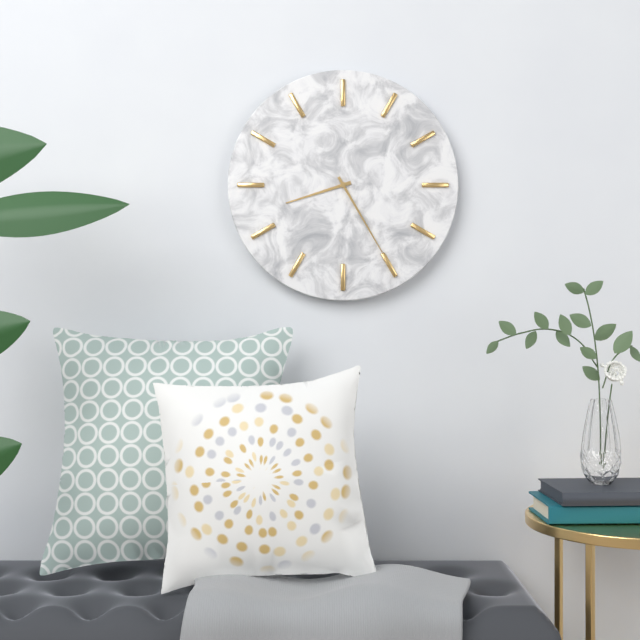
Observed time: **8:25**
